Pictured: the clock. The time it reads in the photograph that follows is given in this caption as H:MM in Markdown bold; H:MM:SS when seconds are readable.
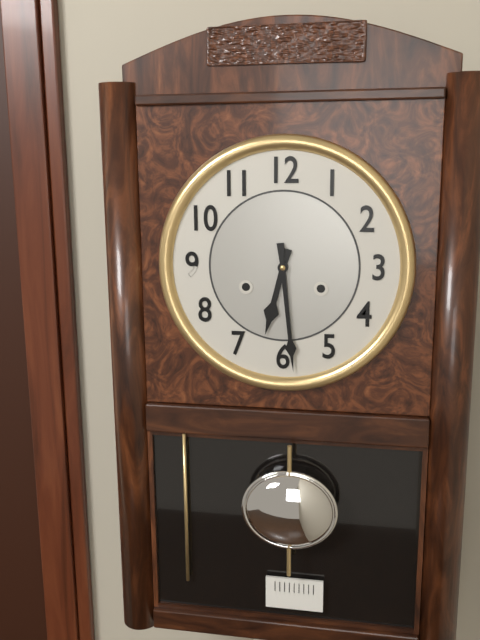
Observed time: **6:29**
